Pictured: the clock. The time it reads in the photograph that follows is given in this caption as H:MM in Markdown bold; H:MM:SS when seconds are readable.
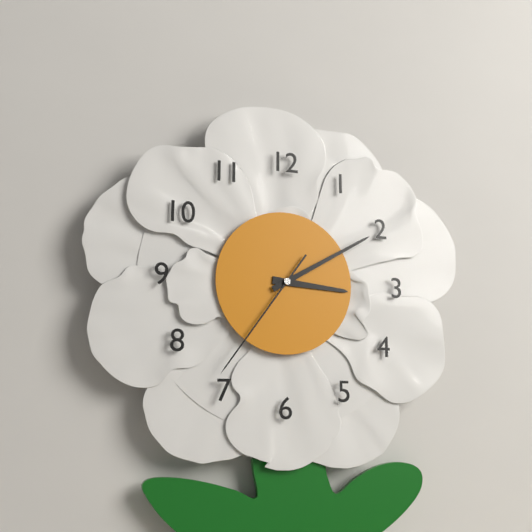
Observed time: **3:10:36**
